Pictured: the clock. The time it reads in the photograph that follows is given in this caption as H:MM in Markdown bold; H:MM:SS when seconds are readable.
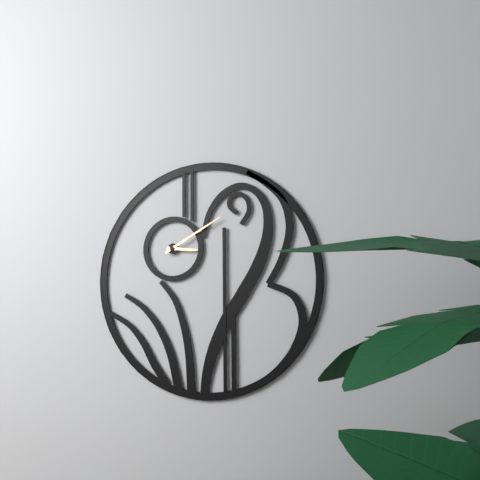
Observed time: **3:10**
